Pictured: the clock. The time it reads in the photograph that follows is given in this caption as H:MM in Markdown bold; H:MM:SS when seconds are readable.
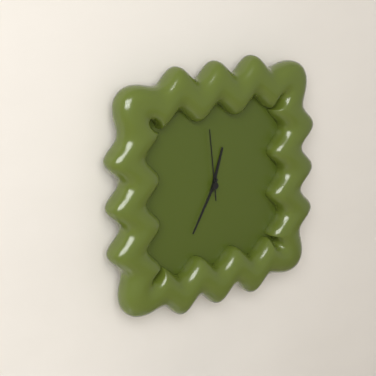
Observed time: **12:35:59**
